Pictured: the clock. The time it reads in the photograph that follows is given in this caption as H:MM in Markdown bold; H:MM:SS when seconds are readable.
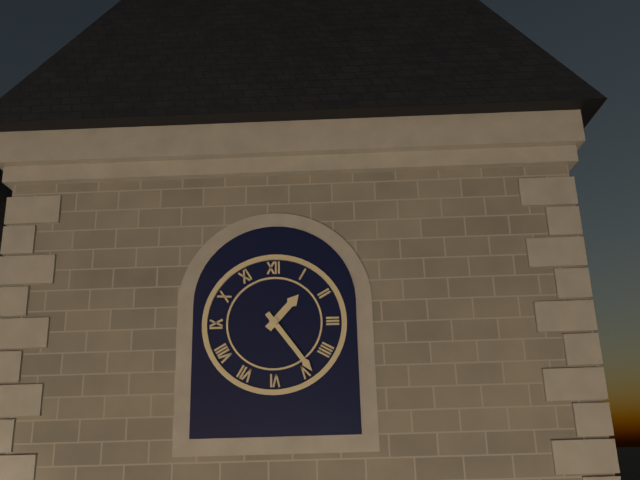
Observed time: **1:24**
